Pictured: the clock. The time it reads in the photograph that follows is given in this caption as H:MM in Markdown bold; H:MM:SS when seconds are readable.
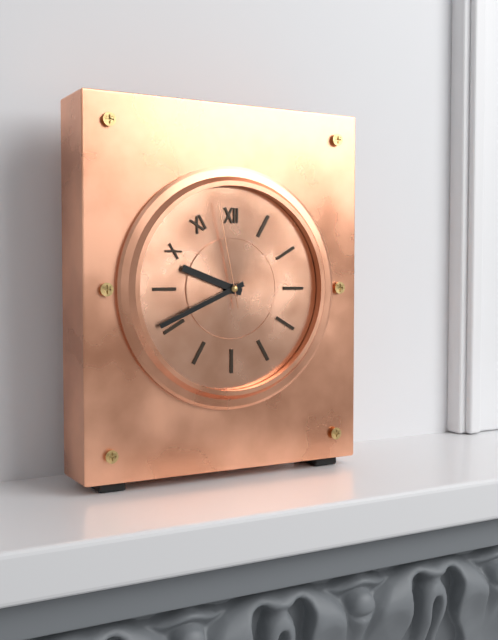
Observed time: **9:41:58**
